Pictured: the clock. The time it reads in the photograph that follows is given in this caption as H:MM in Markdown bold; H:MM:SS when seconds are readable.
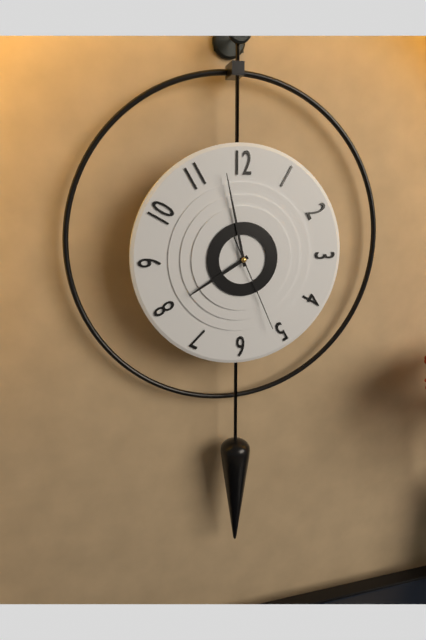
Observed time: **7:58:26**
